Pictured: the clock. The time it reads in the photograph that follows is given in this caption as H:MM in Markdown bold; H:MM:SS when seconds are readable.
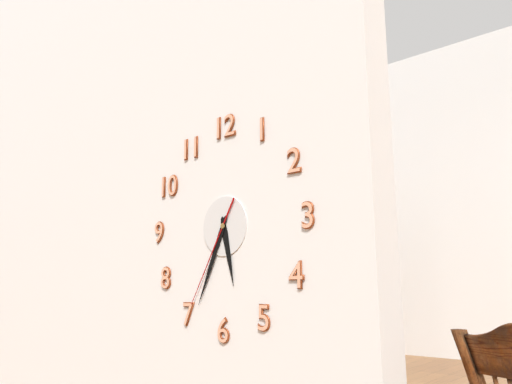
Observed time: **5:34:35**
